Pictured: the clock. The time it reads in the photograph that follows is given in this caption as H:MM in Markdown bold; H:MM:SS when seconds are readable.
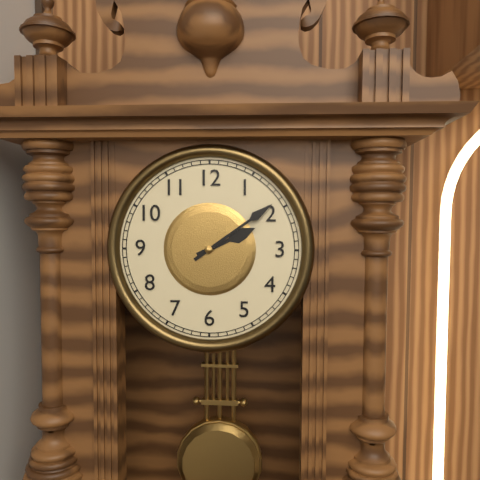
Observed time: **2:09**
